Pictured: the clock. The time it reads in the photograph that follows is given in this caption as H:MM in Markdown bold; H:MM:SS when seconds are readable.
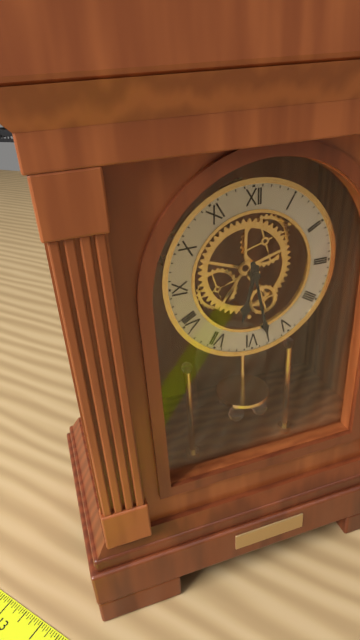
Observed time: **6:28**
